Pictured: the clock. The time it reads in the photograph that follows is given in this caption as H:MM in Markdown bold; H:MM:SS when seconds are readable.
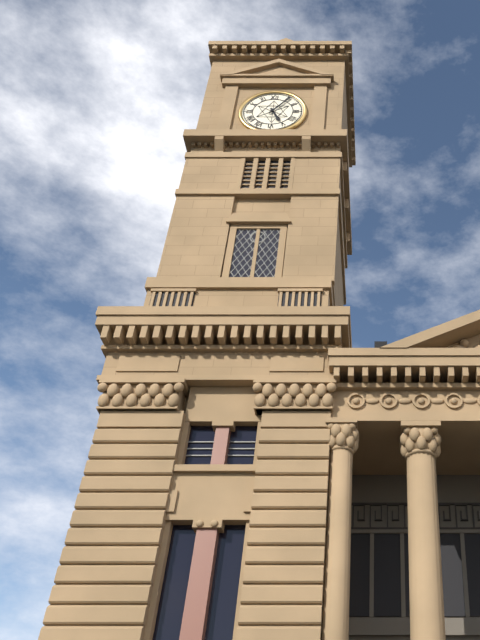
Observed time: **5:06**
